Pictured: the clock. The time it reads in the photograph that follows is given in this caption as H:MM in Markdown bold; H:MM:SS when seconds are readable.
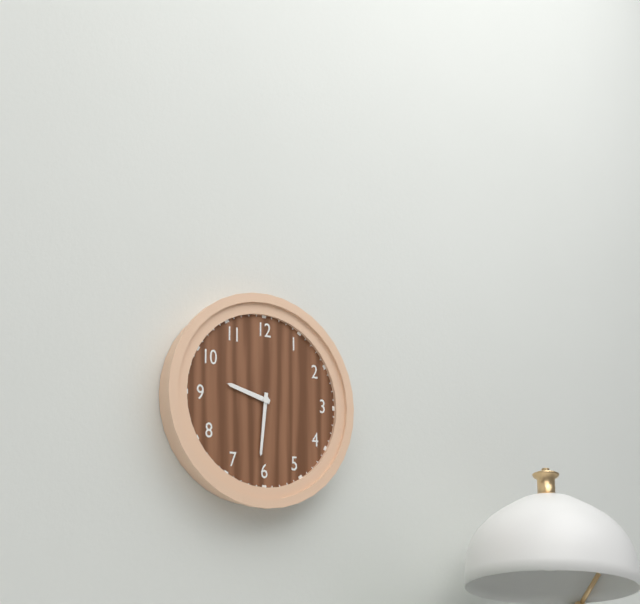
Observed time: **9:31**
